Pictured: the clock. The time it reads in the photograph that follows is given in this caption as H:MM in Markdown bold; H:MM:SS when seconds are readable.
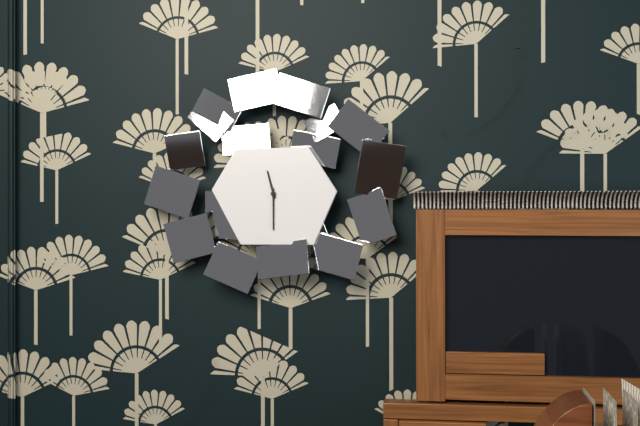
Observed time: **11:30**
